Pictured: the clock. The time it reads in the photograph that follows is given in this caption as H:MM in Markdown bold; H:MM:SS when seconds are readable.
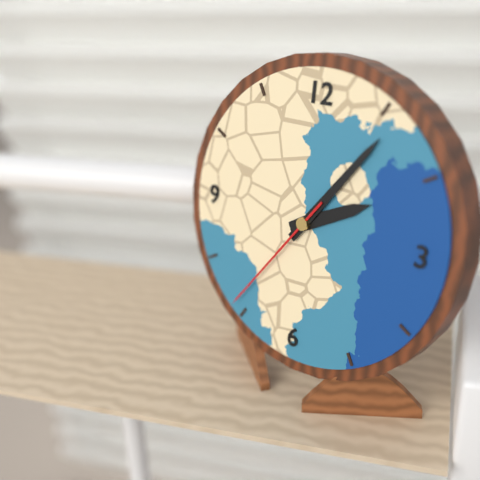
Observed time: **2:06:36**
